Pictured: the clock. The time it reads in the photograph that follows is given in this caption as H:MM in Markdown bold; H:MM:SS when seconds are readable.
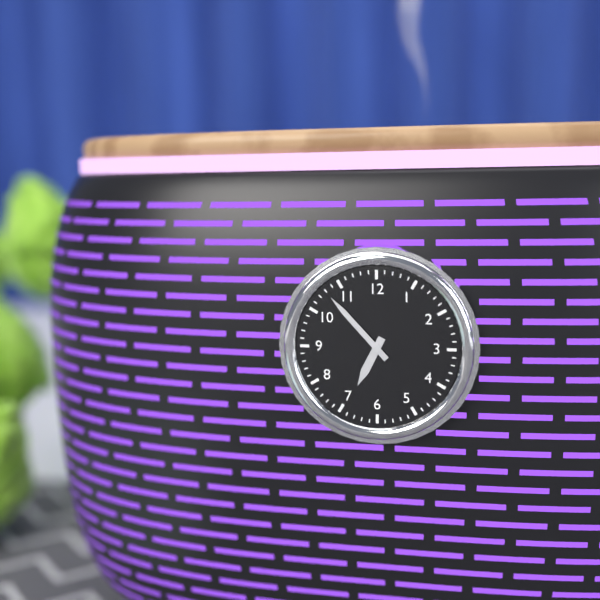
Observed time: **6:53**
